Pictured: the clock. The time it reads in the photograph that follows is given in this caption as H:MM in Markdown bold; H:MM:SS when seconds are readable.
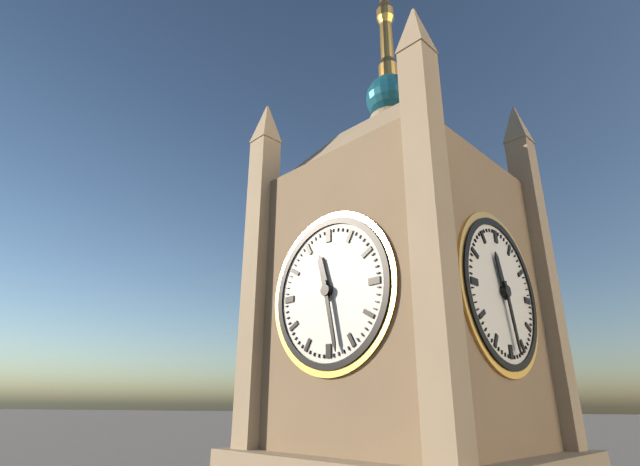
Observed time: **11:28**
